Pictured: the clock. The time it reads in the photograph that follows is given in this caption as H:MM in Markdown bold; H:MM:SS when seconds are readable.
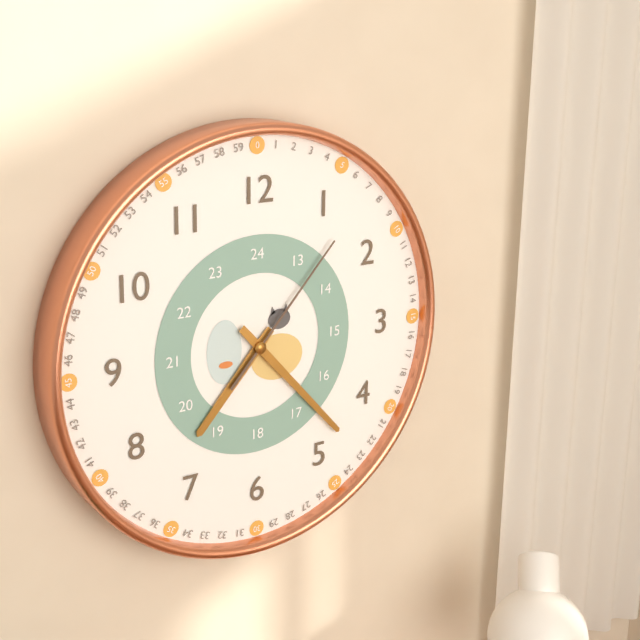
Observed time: **7:23:07**
